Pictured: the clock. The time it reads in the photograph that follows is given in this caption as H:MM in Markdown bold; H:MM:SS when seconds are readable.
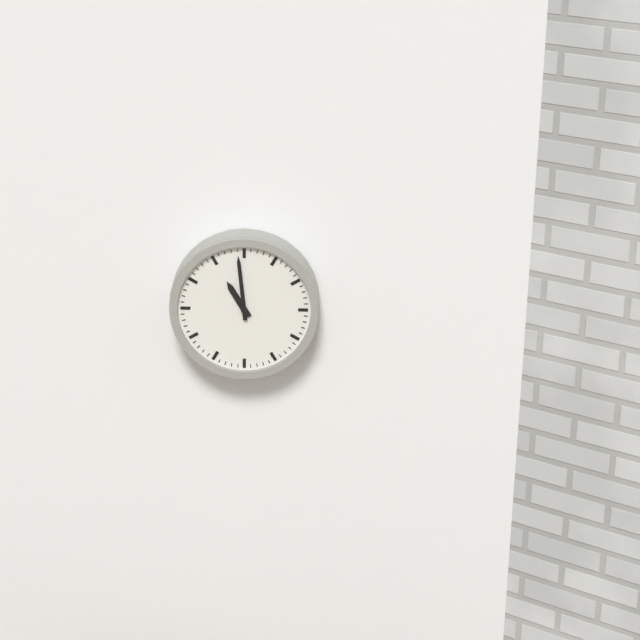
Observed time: **10:59**
